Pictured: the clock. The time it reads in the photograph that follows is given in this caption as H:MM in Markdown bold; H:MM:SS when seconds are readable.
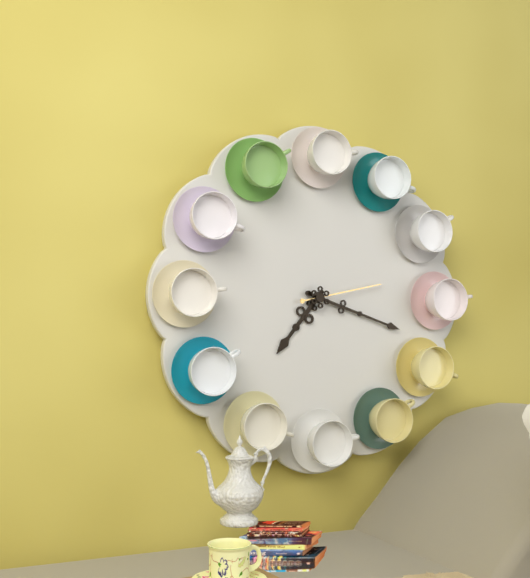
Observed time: **7:18:13**
